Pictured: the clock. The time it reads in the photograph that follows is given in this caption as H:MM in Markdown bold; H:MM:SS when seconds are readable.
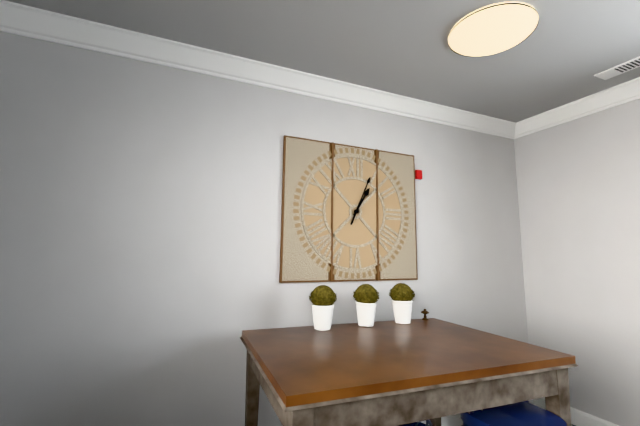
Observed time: **1:04**
